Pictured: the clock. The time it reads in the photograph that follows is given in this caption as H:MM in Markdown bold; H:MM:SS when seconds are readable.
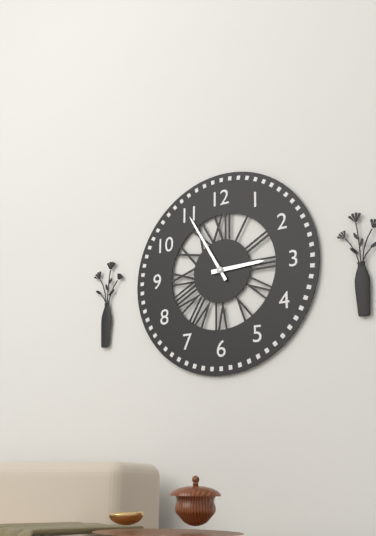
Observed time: **2:55**
